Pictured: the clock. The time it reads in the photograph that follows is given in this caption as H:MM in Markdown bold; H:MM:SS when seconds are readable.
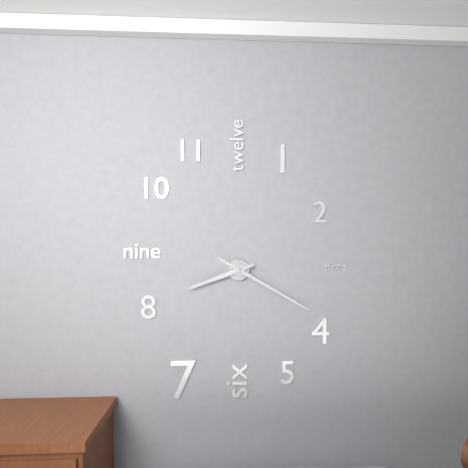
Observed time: **8:20**
